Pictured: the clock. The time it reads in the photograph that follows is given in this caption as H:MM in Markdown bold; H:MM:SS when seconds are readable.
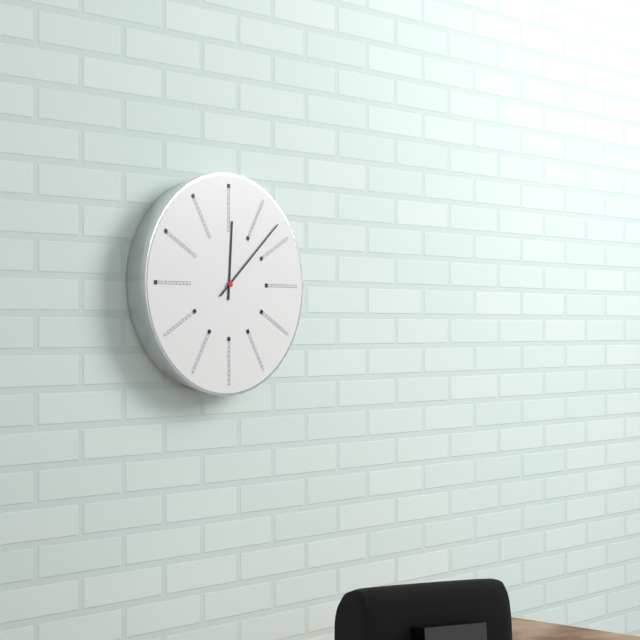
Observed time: **12:08**
